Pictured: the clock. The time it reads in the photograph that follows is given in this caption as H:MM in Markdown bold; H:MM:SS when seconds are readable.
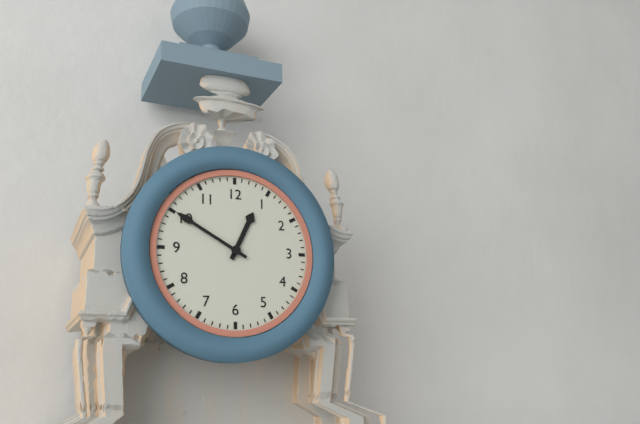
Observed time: **12:50**
